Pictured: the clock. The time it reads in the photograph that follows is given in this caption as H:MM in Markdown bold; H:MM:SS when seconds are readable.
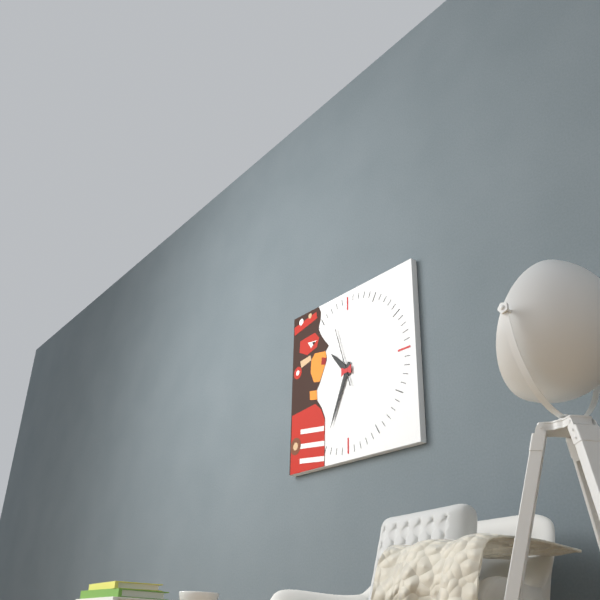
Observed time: **10:34:57**
